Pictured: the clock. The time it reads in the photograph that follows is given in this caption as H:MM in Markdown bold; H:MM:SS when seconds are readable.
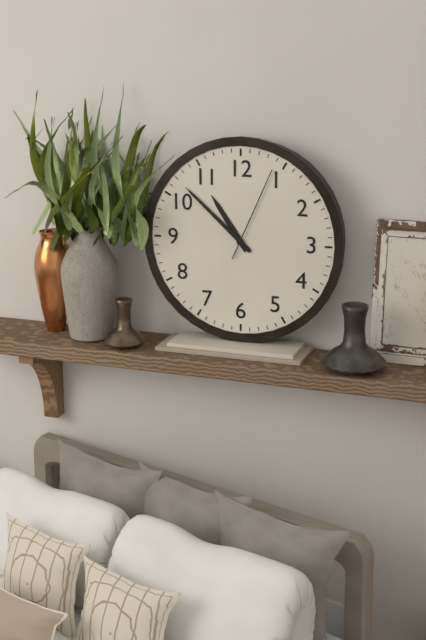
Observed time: **10:52:04**
